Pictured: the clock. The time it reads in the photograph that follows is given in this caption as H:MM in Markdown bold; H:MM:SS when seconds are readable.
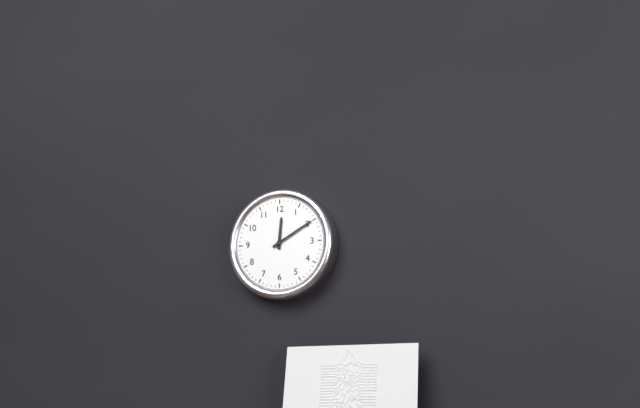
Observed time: **12:10**
